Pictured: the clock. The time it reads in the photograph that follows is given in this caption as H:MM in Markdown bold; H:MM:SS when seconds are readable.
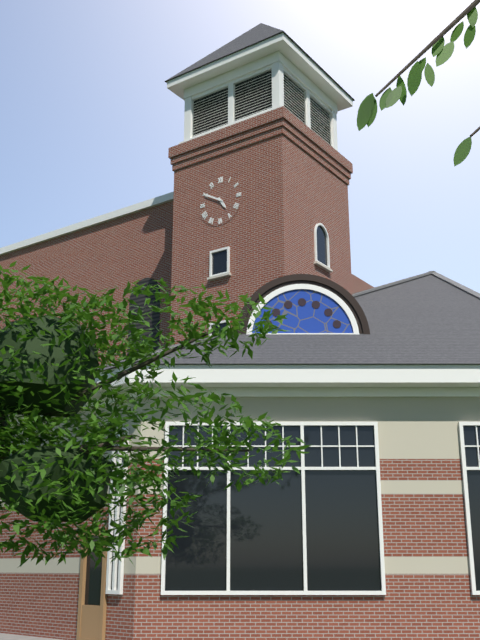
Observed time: **4:50**
